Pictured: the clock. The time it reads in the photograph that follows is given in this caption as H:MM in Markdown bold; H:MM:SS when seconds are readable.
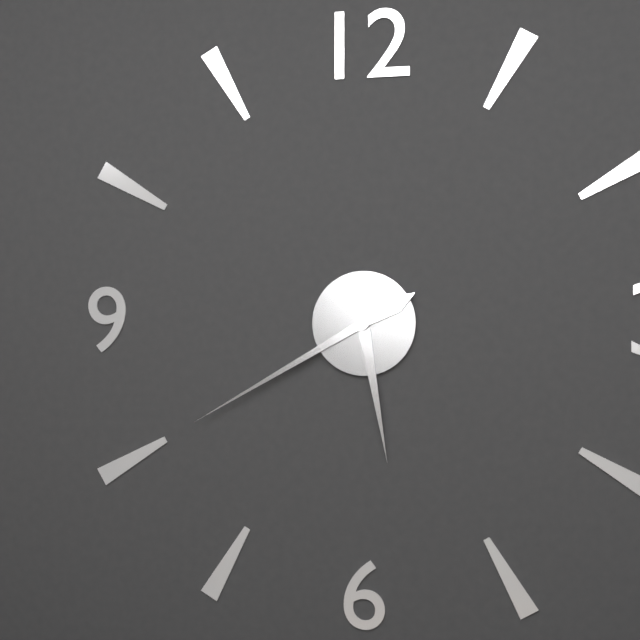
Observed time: **5:40**
